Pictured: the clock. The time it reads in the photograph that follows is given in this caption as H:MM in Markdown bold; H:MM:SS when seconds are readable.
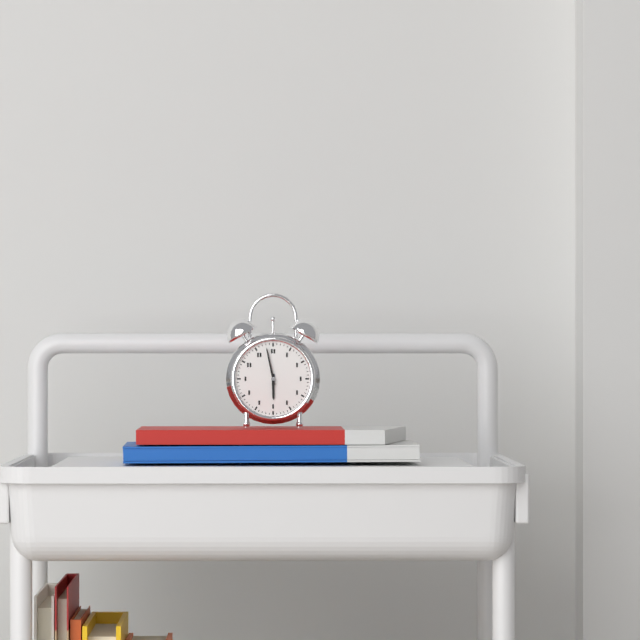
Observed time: **5:58**
